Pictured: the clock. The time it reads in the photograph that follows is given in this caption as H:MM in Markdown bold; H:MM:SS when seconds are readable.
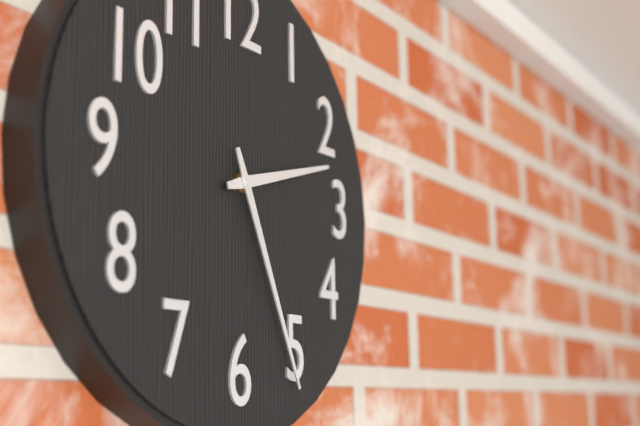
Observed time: **2:26**
